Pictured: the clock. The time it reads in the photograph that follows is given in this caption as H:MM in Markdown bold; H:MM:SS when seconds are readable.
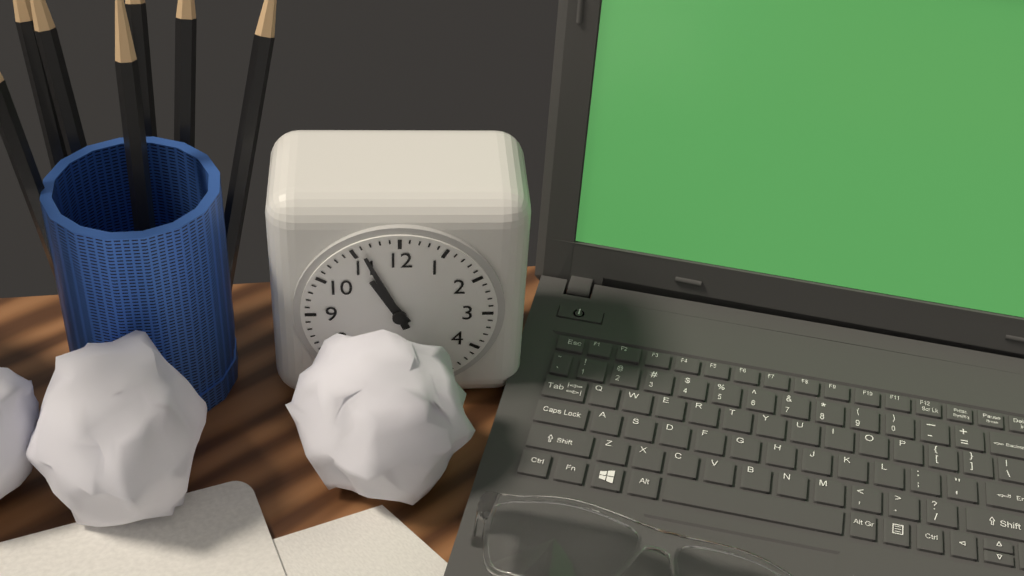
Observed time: **10:56**
